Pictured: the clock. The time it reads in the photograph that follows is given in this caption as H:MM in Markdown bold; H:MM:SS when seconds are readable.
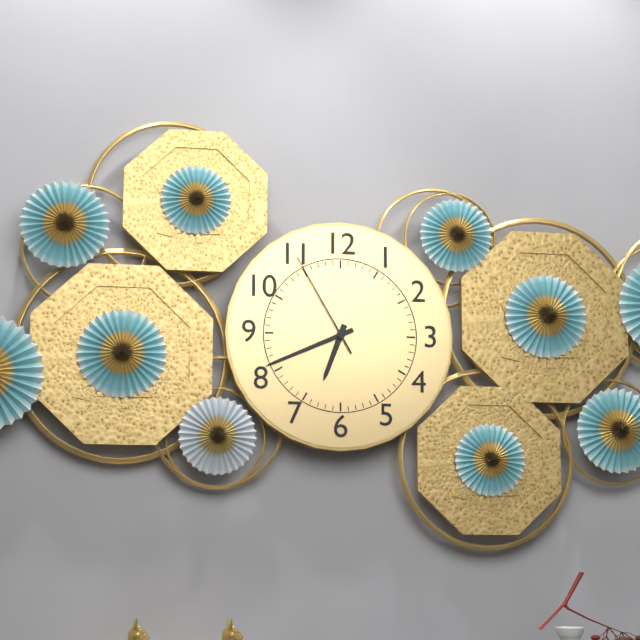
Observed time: **6:41:55**
